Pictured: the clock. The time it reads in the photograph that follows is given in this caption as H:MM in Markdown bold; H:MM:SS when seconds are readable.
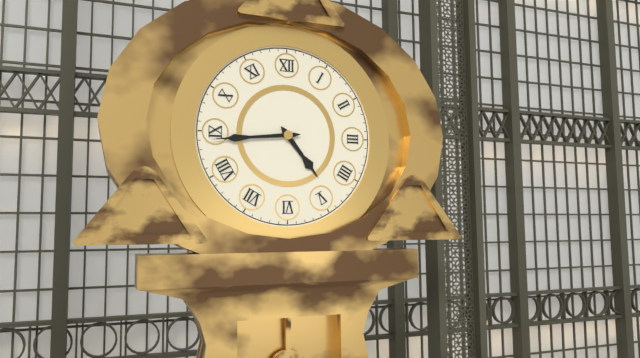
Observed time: **4:44**
